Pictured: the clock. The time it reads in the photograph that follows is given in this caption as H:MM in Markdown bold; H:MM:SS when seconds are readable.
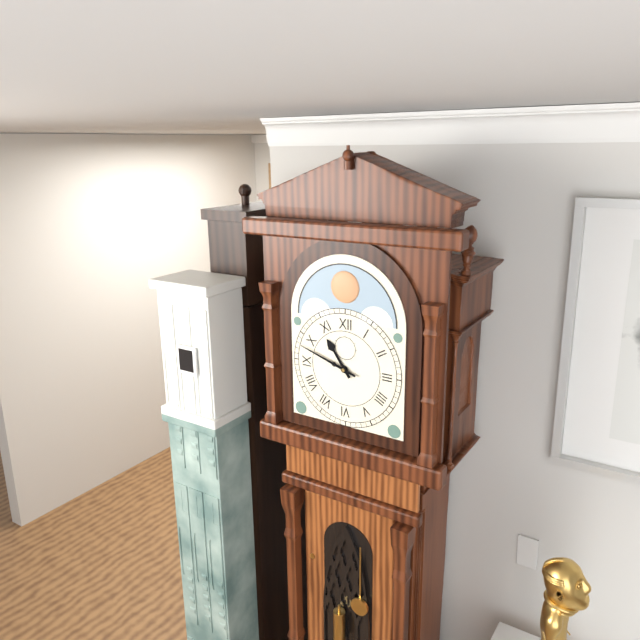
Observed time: **10:48**
